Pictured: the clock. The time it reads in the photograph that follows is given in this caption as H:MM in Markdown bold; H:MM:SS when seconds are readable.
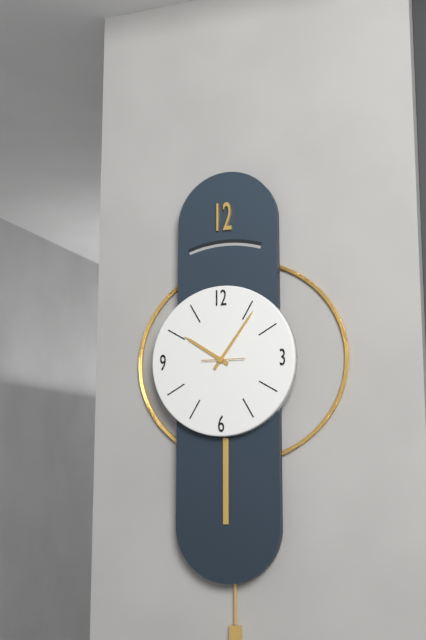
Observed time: **10:06**
